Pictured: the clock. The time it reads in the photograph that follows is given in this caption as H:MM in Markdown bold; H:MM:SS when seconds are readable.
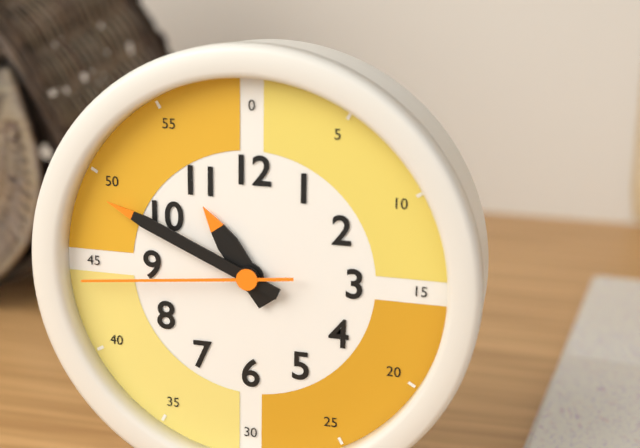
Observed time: **10:49:44**
